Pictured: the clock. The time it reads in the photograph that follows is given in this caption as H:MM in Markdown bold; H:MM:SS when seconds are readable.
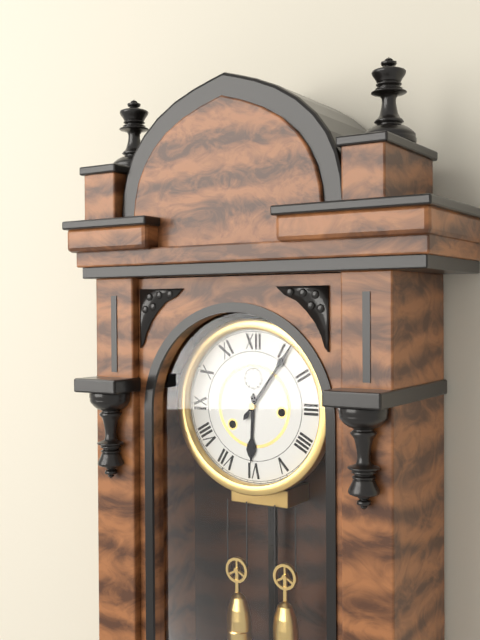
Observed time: **6:06**
